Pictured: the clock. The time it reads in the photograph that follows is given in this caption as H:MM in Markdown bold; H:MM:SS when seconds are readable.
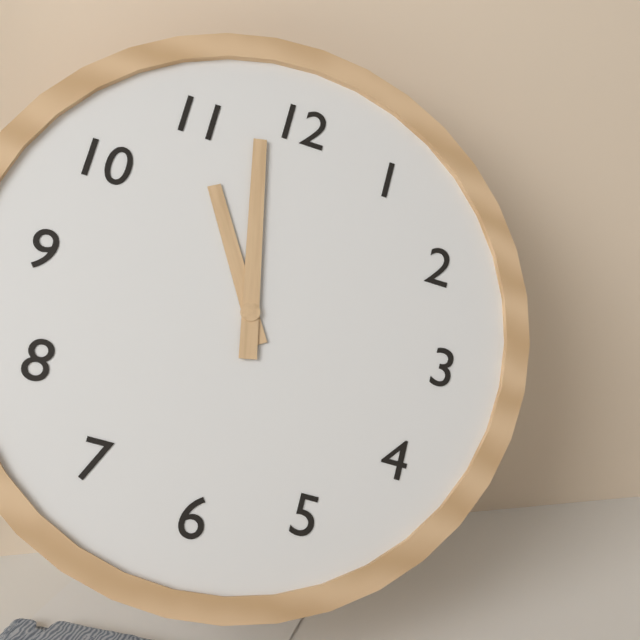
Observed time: **10:58**
